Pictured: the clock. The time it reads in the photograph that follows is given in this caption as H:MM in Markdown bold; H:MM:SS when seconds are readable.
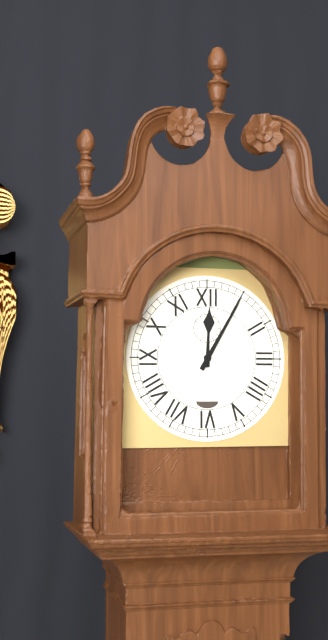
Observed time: **12:05**
